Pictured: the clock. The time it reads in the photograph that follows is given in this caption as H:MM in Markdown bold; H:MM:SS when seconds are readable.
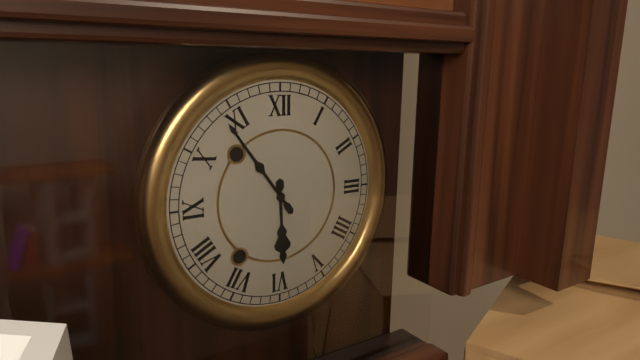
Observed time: **5:54**
